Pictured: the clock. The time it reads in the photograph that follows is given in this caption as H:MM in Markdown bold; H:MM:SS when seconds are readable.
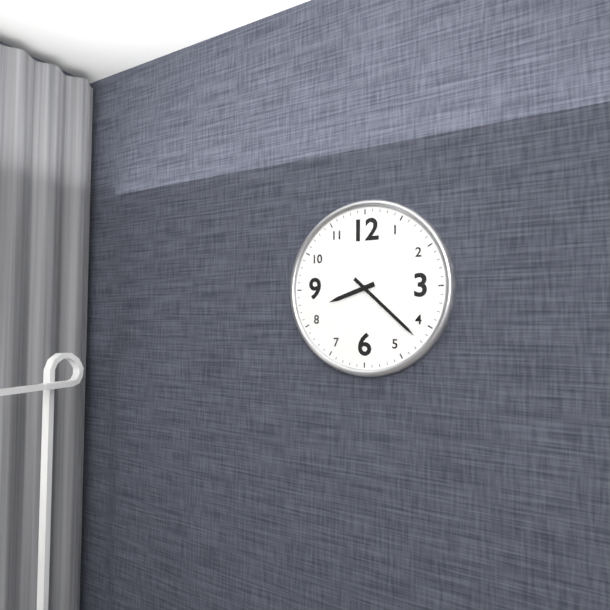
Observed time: **8:22**
